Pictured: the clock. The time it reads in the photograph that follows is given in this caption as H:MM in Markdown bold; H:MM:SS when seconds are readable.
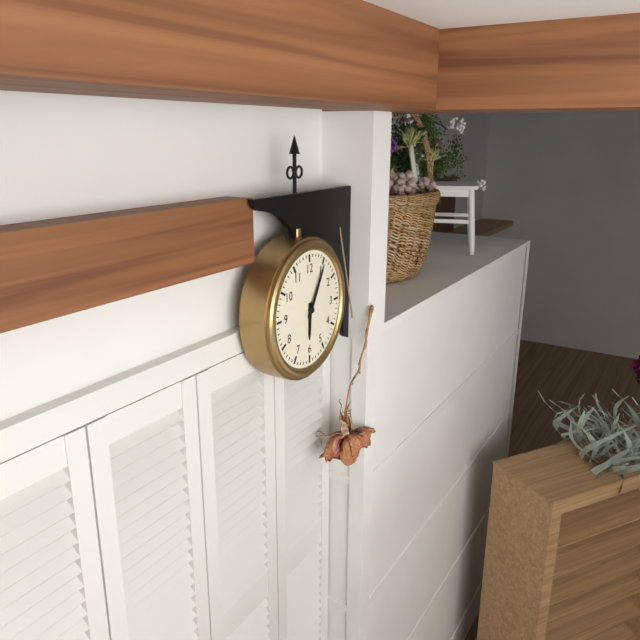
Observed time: **6:05**
